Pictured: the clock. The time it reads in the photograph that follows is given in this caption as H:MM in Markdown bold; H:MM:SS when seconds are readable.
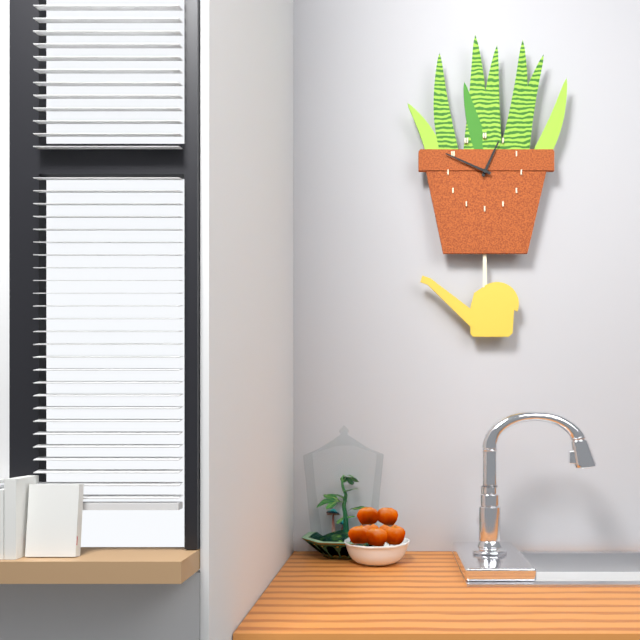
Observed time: **12:49**
